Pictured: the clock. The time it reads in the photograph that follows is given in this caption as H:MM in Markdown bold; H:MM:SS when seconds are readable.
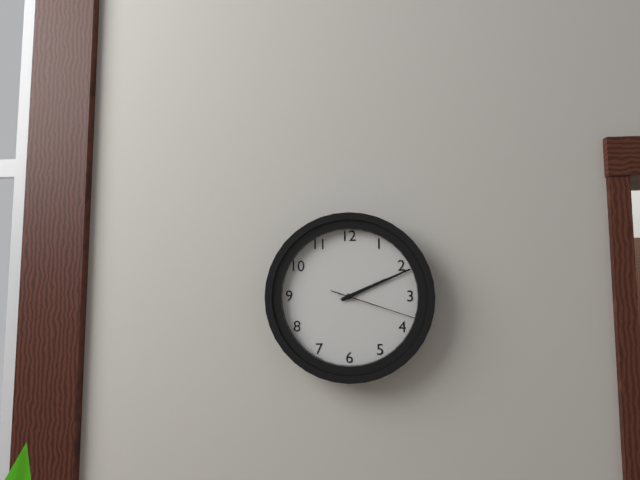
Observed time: **2:11:18**
